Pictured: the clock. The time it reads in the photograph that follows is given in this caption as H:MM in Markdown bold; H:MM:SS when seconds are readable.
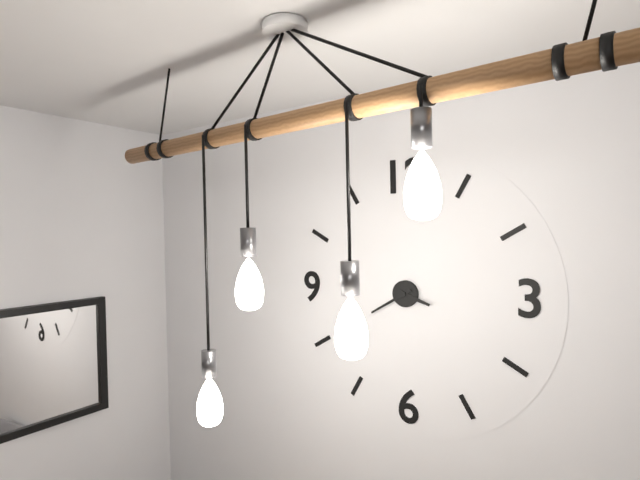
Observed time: **3:40**
